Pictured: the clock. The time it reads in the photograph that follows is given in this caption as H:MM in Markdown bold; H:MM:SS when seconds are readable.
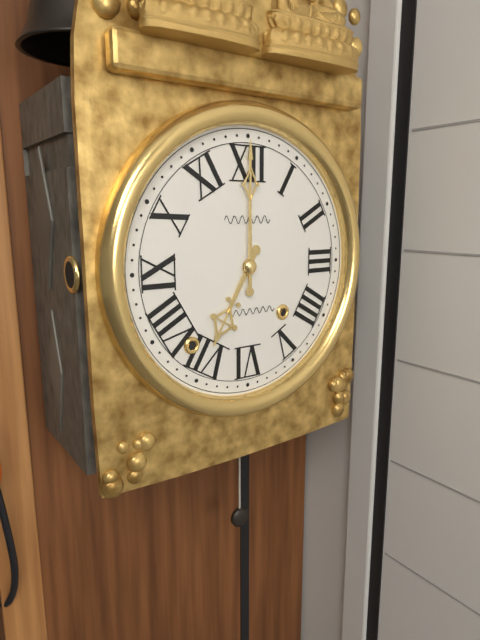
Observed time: **7:00**
